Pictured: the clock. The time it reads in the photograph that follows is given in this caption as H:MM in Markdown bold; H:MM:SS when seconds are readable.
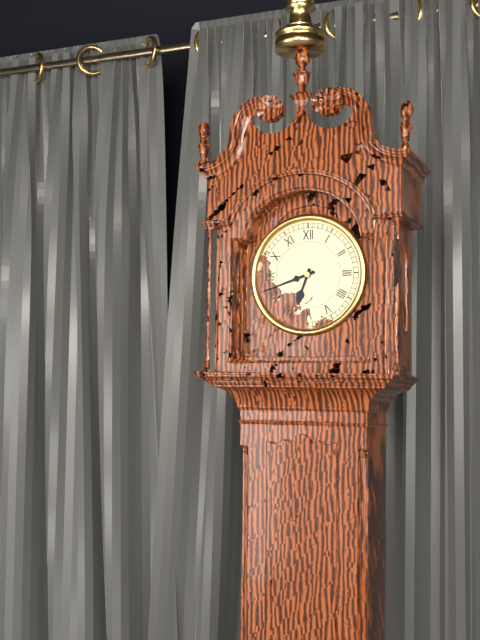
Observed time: **6:42**
